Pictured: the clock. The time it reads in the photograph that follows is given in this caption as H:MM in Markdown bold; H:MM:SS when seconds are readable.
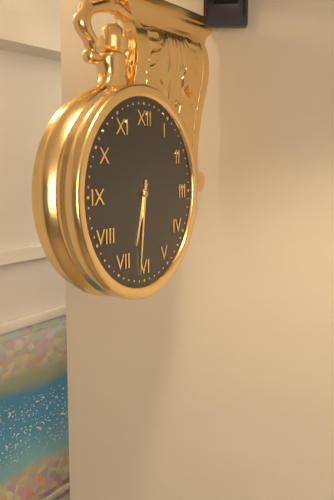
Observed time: **6:31**
